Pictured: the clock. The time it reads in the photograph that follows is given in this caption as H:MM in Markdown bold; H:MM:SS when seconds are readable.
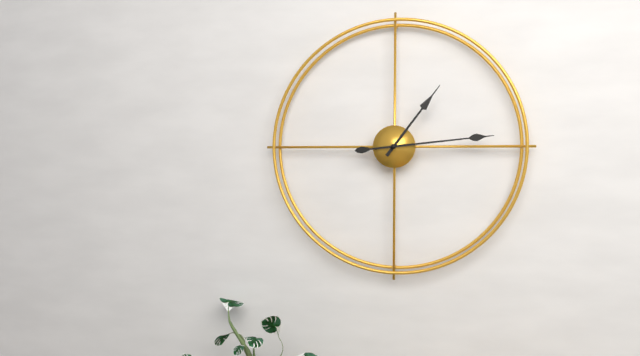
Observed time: **1:14**
